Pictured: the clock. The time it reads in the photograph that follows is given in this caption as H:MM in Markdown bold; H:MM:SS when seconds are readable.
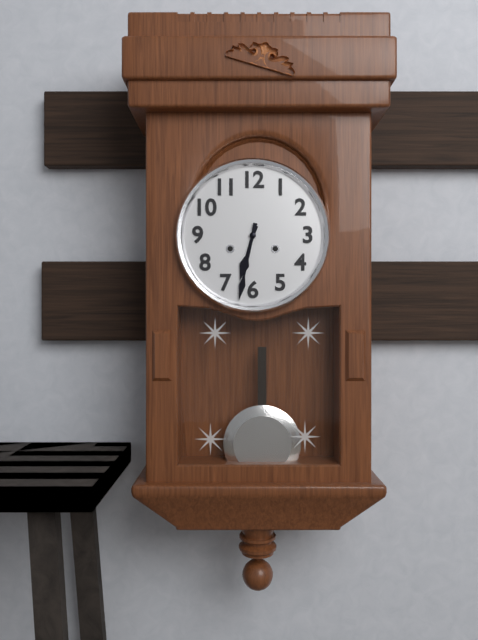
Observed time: **6:32**
